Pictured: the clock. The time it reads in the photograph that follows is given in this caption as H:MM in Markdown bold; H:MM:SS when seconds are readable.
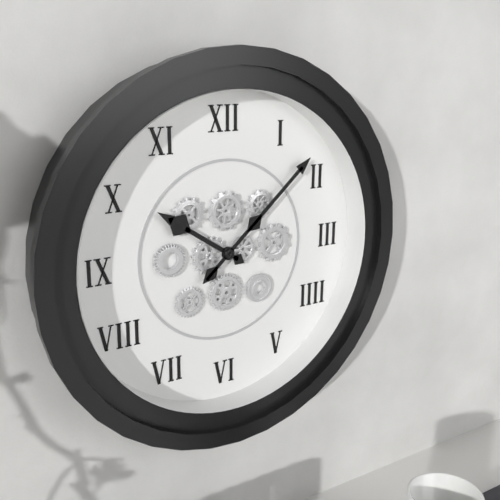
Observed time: **10:08**
